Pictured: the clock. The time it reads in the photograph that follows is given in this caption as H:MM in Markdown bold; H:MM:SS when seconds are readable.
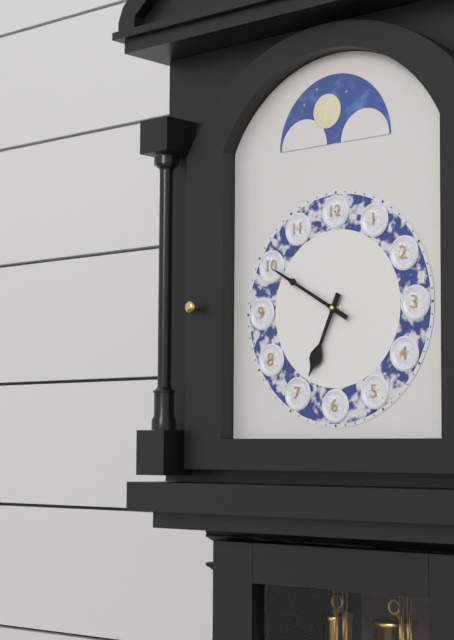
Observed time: **6:50**
